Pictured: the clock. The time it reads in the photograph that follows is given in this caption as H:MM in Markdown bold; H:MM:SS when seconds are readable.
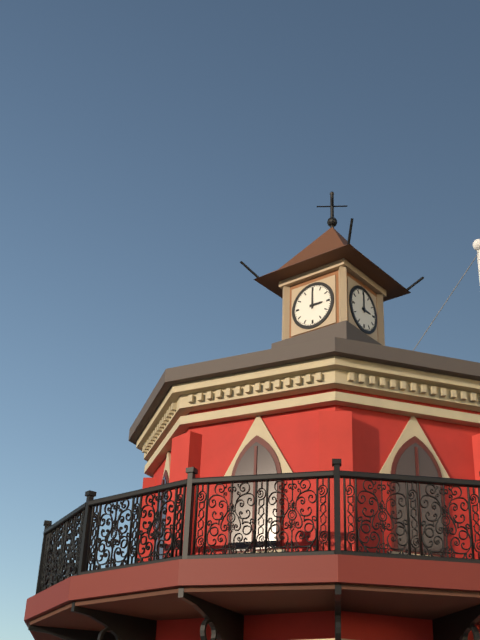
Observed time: **3:00**
